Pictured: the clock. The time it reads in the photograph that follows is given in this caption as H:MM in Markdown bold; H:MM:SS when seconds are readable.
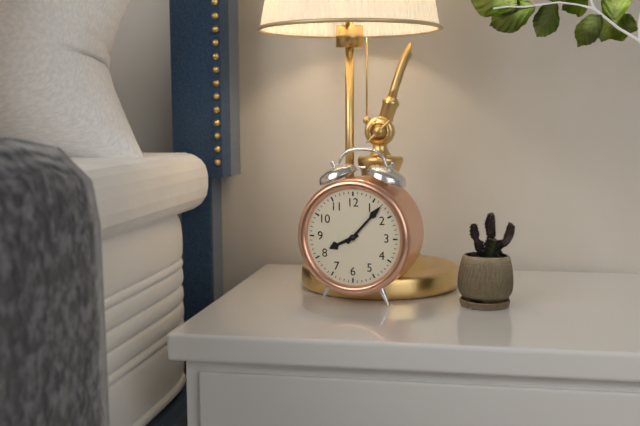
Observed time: **8:07**
